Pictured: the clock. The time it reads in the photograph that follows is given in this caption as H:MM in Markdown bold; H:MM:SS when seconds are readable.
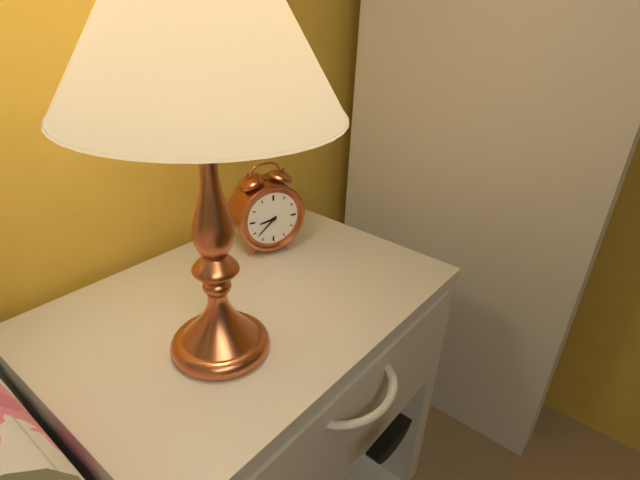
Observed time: **8:38**
